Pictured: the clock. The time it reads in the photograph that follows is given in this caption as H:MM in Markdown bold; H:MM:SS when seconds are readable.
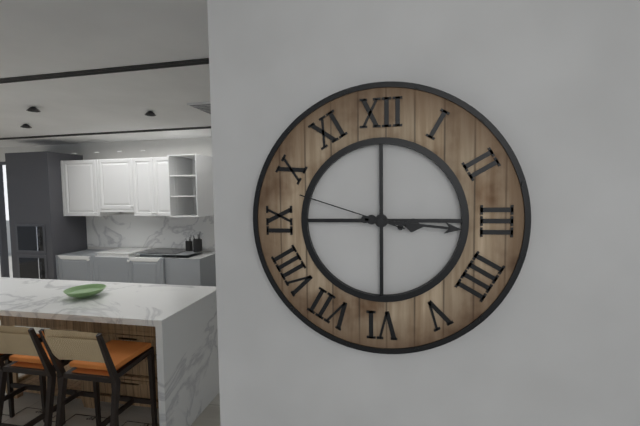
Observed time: **3:16:48**
